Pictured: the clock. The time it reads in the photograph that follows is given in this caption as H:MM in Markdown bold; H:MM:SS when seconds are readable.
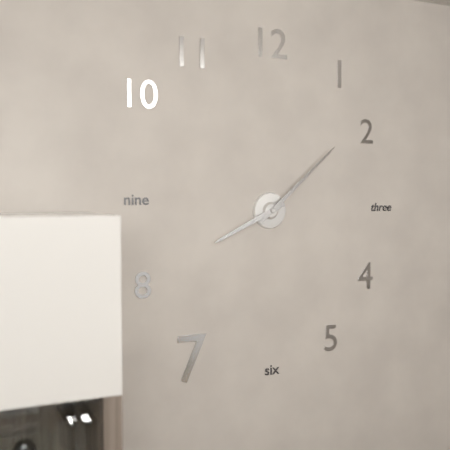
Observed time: **8:08**
